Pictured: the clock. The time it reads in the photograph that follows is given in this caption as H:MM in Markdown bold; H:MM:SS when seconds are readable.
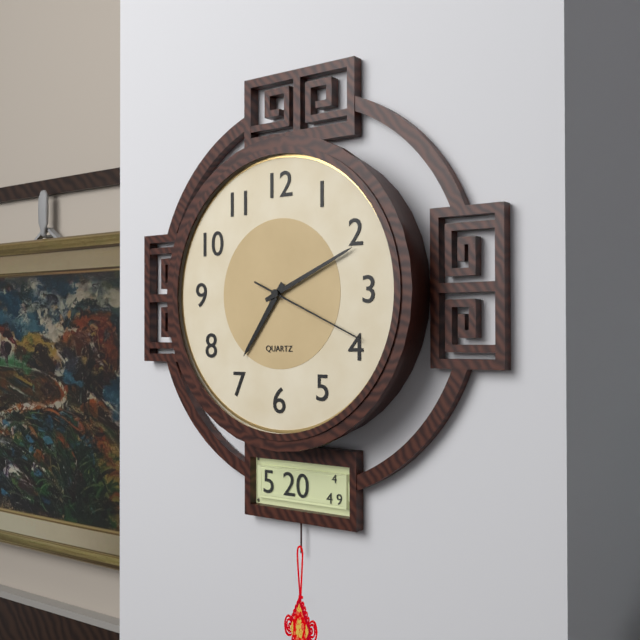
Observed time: **7:11:19**
